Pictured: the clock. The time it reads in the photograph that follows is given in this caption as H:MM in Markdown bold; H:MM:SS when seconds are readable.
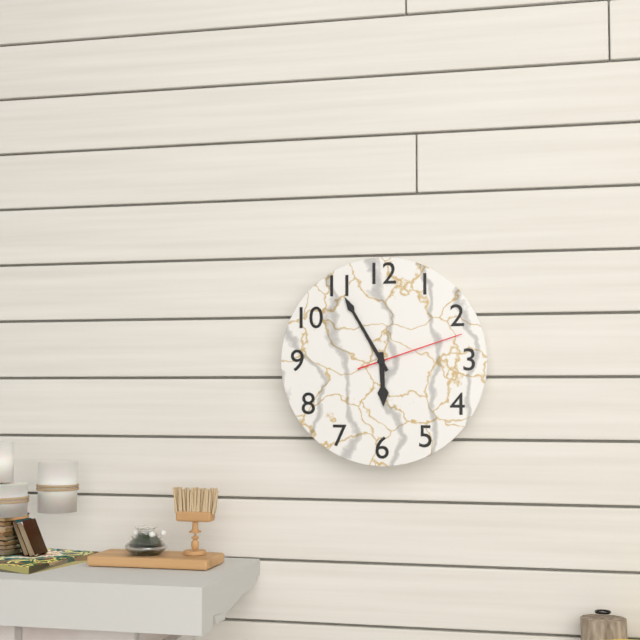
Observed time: **5:55:12**
